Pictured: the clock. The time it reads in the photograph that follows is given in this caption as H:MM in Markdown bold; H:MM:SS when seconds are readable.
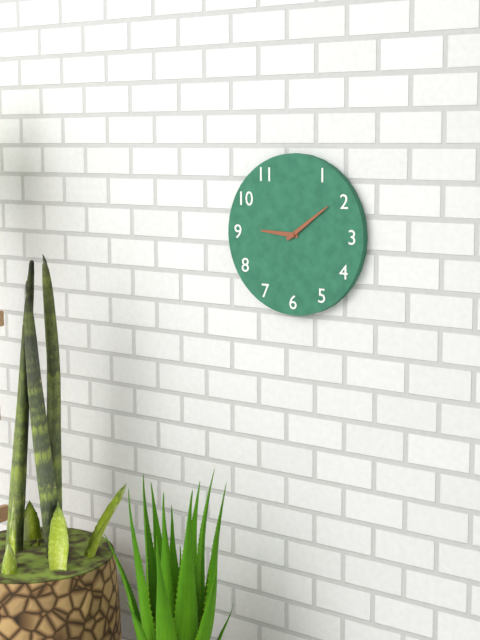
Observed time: **9:09**
